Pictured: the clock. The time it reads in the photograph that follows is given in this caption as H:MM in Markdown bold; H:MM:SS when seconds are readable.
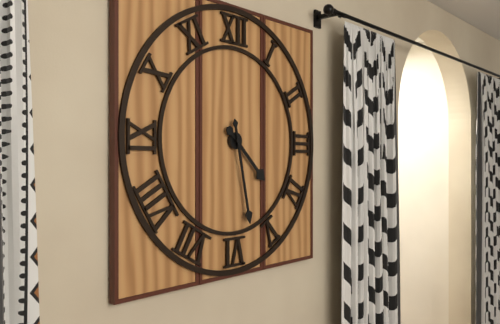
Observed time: **4:28**
